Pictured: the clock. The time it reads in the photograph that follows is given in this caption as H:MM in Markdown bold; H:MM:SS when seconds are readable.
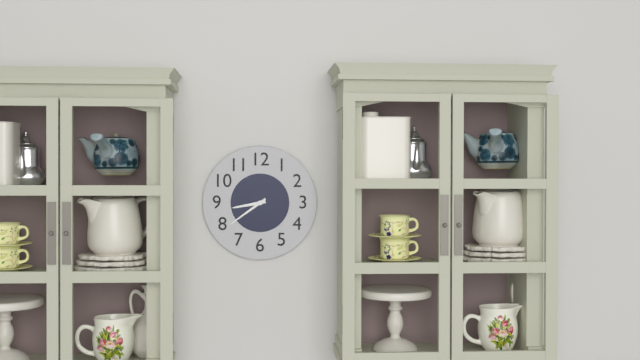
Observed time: **8:39**
